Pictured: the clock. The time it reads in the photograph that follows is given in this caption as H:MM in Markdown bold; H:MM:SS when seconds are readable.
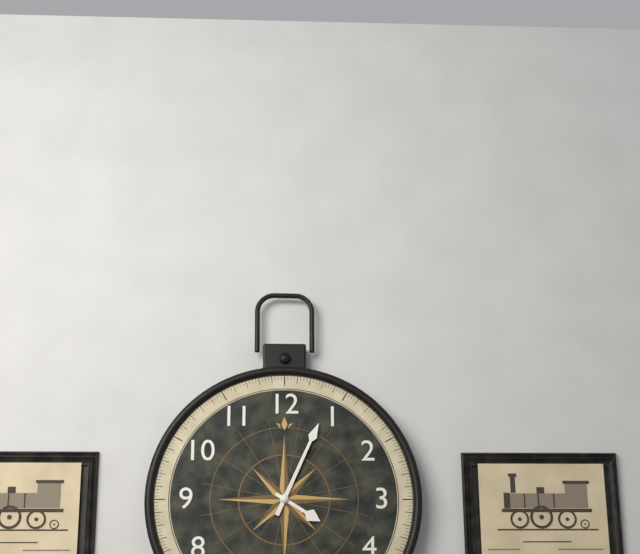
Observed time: **4:04**
